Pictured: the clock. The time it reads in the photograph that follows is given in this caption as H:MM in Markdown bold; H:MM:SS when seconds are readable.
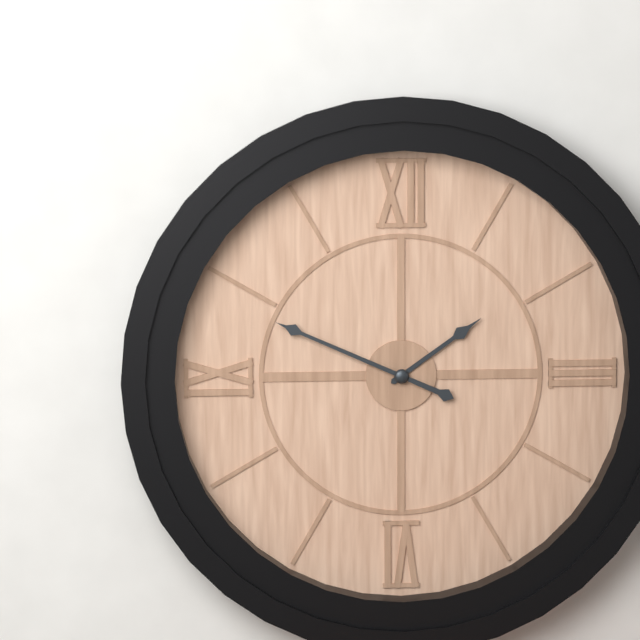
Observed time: **1:49**
